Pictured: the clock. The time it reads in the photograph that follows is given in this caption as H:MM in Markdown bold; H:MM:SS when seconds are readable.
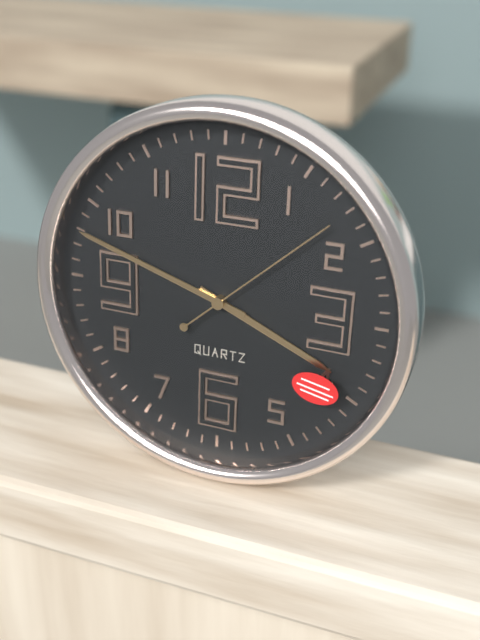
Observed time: **3:48:08**
